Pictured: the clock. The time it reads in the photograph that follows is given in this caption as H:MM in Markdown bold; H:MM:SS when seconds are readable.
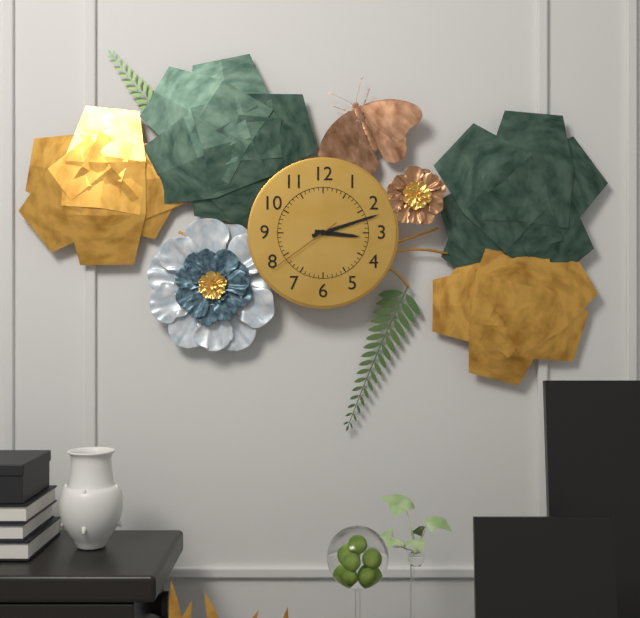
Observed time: **3:12:39**
